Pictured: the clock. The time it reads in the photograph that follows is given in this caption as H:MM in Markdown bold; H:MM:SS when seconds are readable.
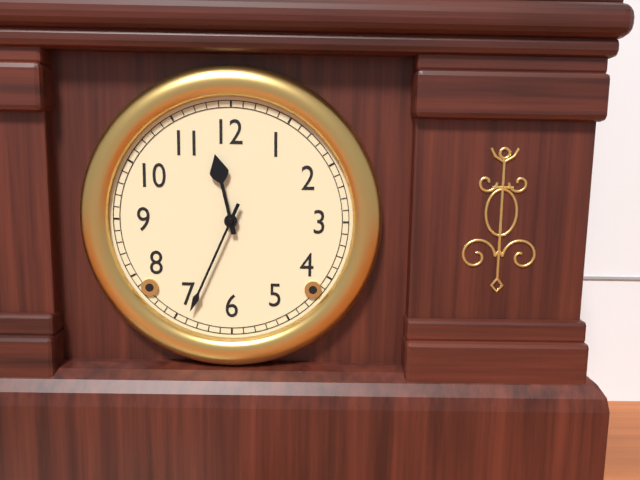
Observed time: **11:34**
